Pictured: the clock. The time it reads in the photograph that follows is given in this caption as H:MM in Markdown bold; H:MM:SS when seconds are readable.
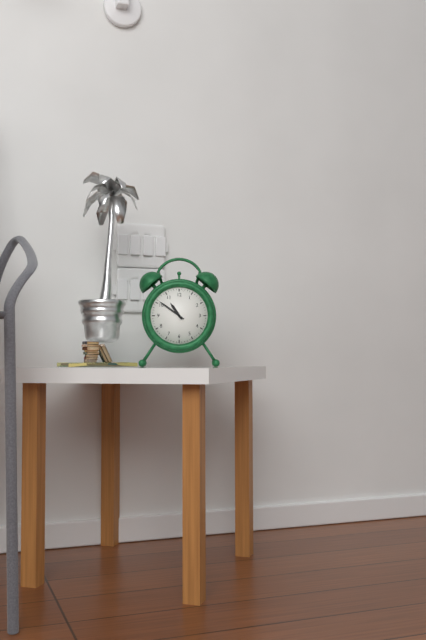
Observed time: **10:51**
